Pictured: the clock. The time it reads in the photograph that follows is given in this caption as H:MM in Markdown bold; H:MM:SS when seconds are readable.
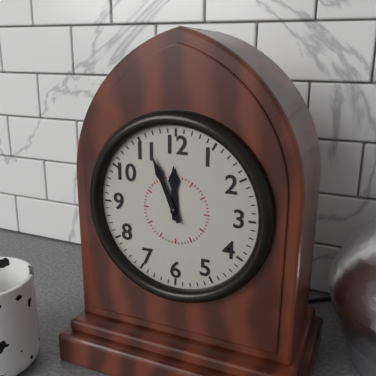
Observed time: **11:56**
